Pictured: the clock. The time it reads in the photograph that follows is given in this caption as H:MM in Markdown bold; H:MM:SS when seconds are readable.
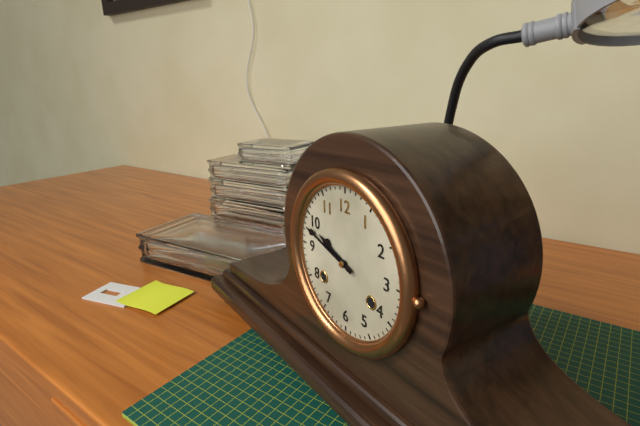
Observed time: **9:48**
